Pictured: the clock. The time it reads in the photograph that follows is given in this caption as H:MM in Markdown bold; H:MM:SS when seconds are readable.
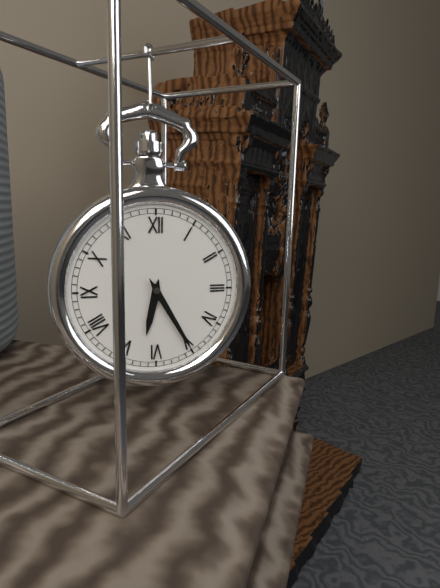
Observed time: **6:25**
